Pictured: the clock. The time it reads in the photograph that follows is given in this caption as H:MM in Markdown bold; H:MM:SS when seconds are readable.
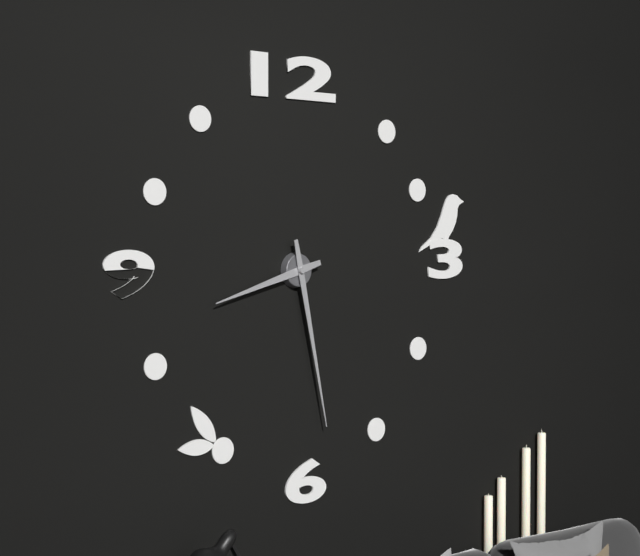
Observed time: **8:28**
